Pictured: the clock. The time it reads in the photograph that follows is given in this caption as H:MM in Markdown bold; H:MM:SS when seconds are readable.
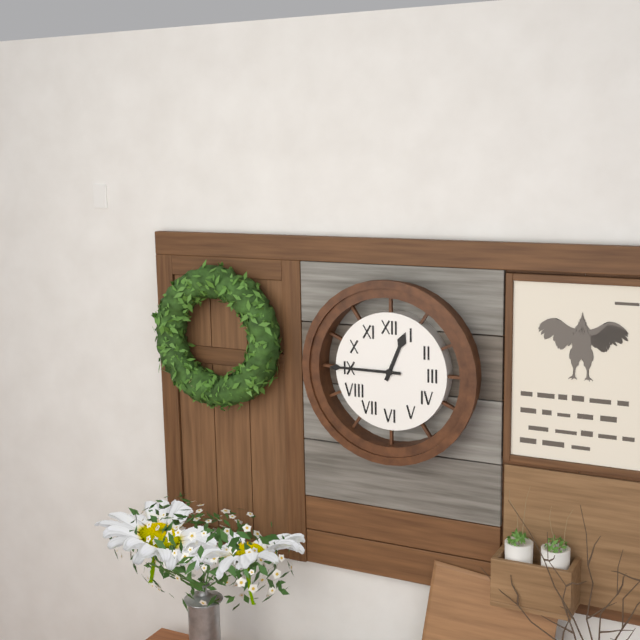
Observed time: **12:45**
